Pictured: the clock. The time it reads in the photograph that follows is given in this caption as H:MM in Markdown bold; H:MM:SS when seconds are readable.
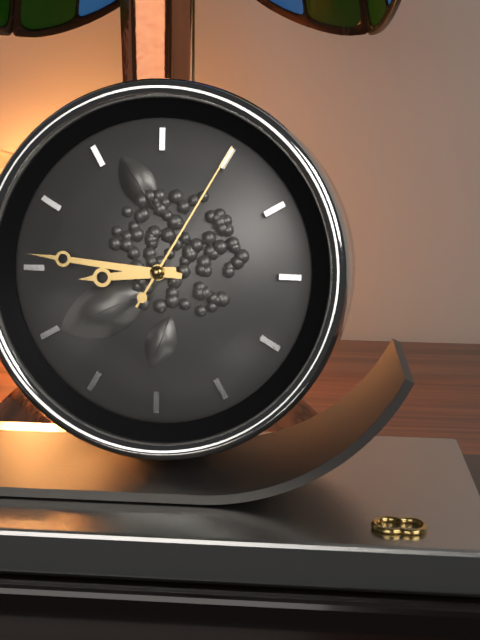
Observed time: **8:46:05**
